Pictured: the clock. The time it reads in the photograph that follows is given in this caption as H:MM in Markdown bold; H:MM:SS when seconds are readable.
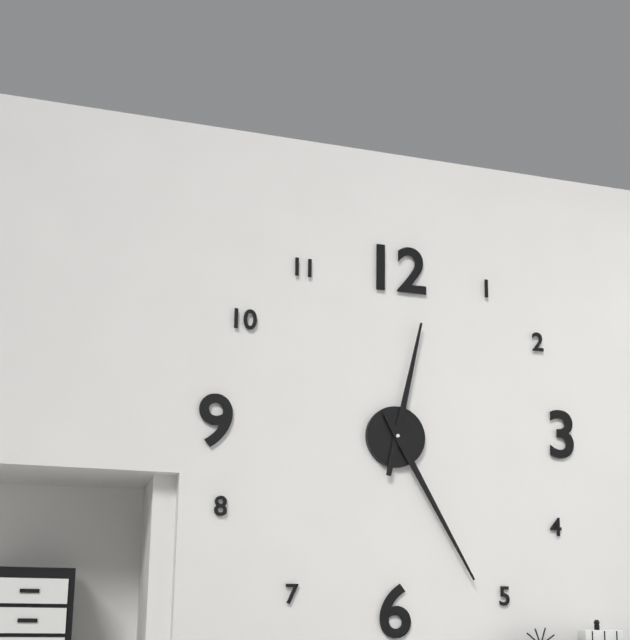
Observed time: **12:25**
